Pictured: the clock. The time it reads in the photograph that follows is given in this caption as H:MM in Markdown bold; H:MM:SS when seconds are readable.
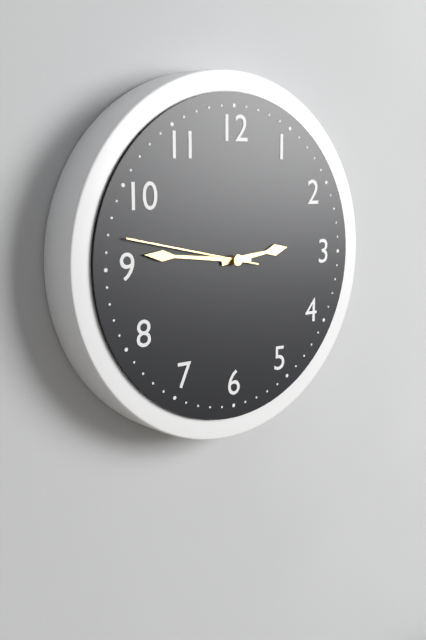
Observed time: **2:46:47**
